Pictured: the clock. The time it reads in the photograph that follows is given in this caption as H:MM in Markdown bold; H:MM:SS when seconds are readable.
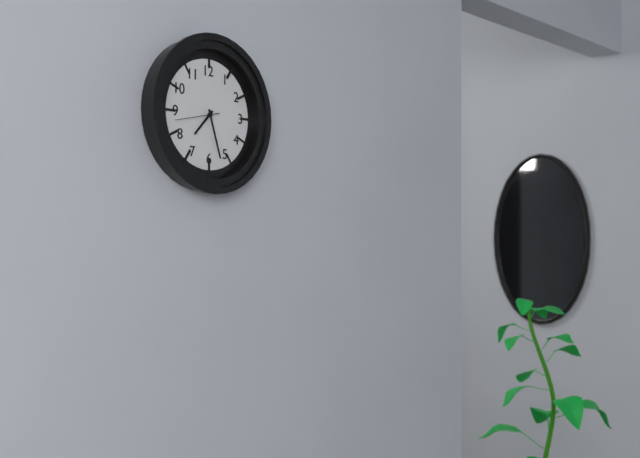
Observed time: **7:27**
